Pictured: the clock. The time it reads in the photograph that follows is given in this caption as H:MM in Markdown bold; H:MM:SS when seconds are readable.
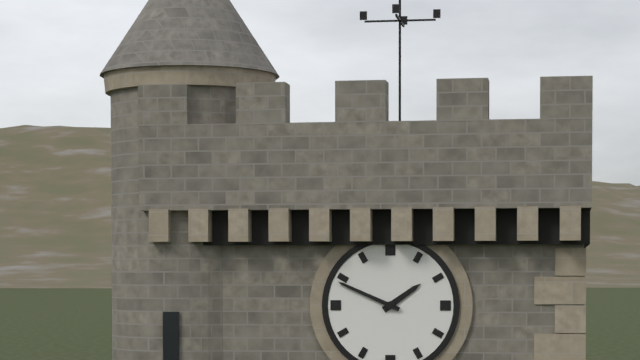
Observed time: **1:49**
